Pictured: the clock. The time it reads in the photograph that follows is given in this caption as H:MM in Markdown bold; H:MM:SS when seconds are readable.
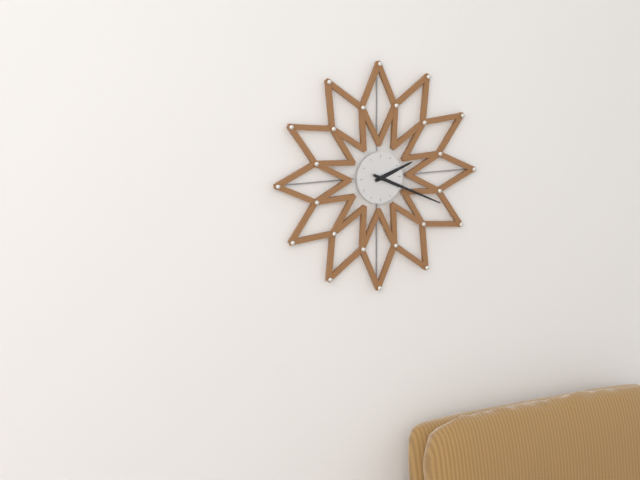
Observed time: **2:19**
